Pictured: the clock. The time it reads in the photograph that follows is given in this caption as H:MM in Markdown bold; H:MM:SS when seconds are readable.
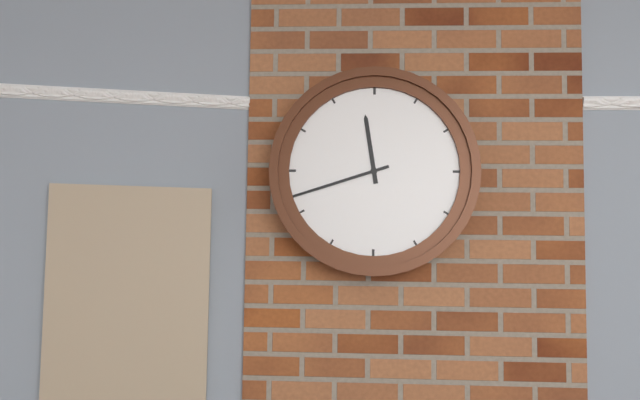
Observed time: **11:42**
